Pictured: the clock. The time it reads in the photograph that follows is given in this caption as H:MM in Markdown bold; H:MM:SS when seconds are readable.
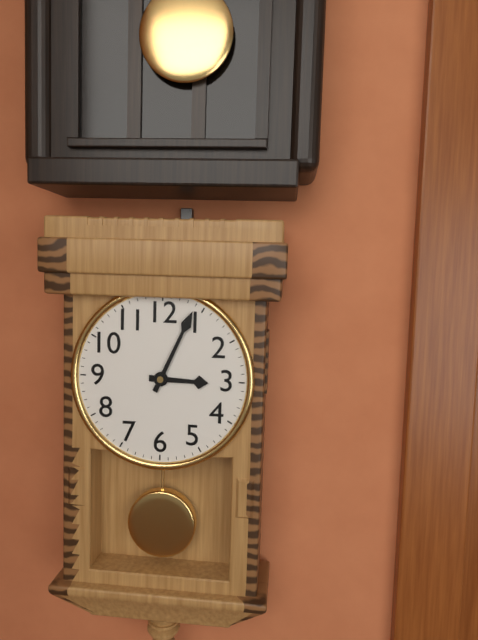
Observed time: **3:04**
